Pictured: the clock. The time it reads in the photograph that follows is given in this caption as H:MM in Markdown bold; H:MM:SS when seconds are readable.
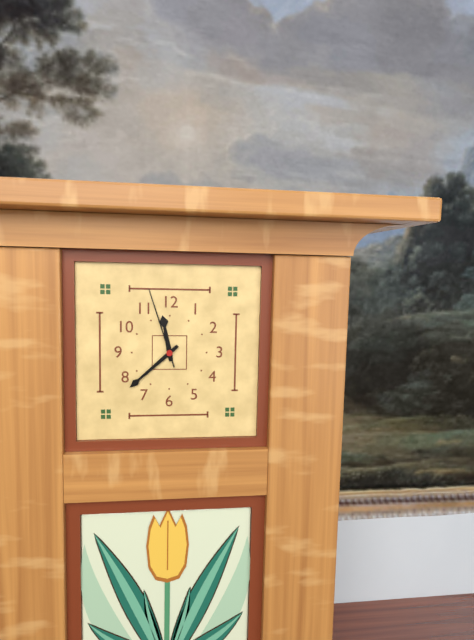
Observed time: **11:38:57**
